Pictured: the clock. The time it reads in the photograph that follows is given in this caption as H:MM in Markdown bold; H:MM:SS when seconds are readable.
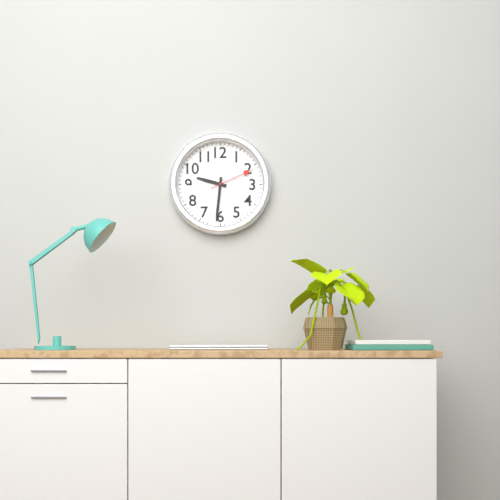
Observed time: **9:31**
